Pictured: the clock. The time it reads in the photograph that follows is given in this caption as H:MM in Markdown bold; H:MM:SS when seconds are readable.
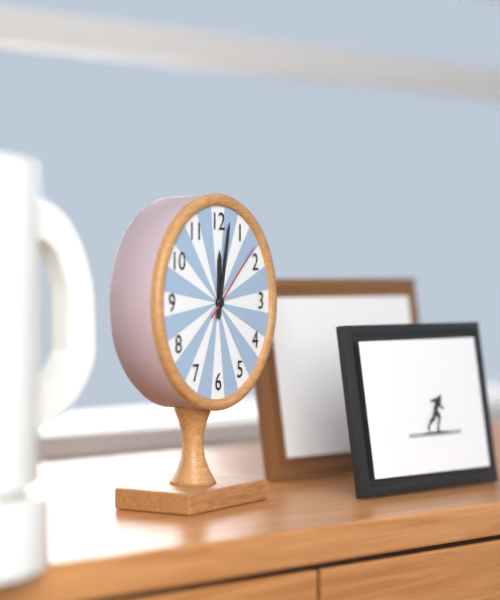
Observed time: **12:02:08**
